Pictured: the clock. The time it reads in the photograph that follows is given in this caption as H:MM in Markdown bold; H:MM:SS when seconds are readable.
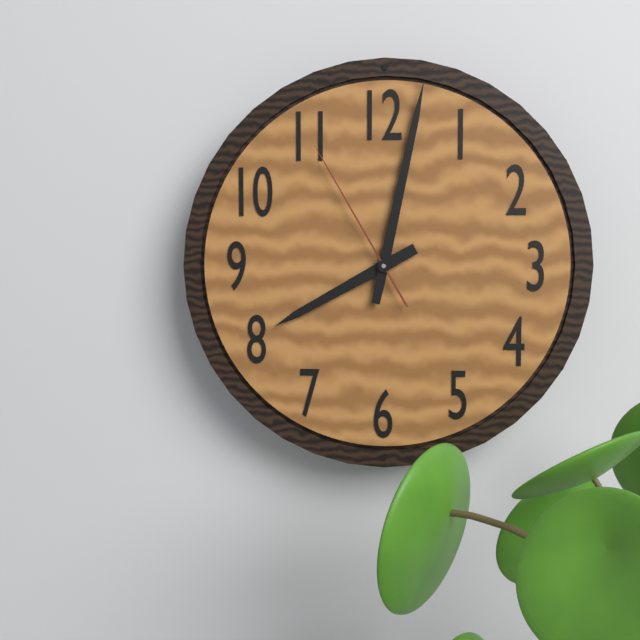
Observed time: **8:02:55**
